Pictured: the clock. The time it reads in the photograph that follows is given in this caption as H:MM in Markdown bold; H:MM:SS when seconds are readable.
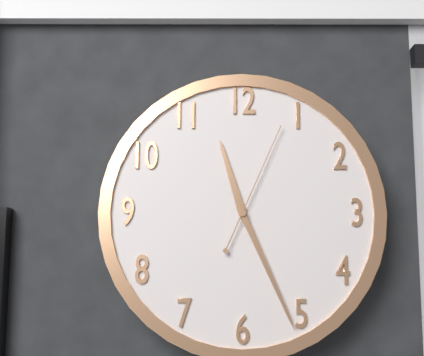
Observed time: **11:26:04**
